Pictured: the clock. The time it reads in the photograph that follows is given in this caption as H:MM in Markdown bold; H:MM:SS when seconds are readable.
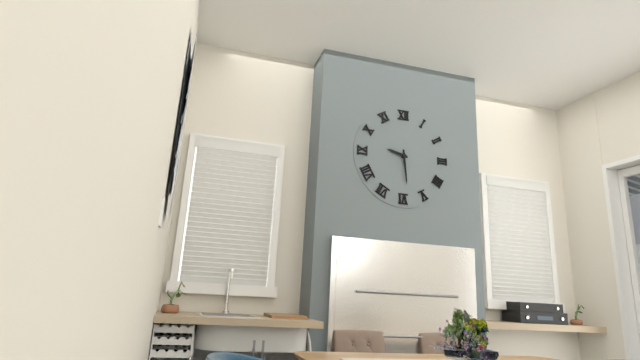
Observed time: **9:29**
